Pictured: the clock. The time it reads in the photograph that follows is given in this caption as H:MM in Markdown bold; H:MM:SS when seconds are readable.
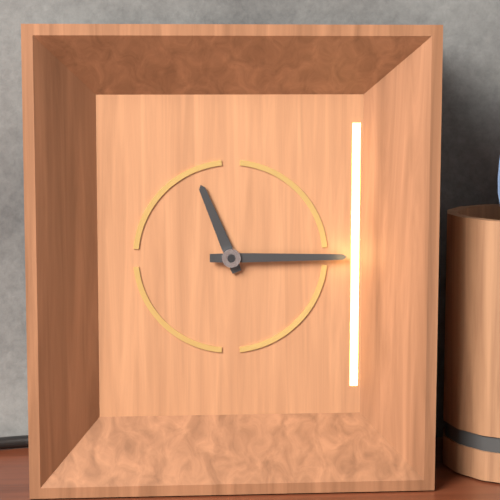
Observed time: **11:15**
